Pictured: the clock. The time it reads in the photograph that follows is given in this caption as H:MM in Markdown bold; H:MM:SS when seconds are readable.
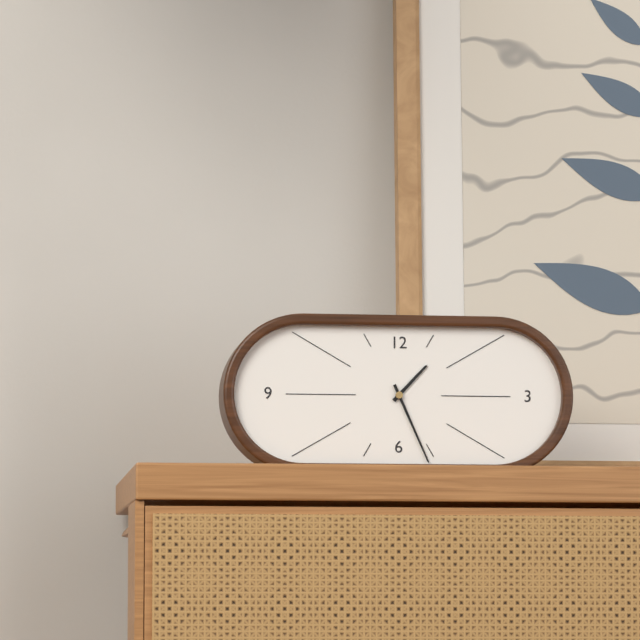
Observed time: **1:26**
